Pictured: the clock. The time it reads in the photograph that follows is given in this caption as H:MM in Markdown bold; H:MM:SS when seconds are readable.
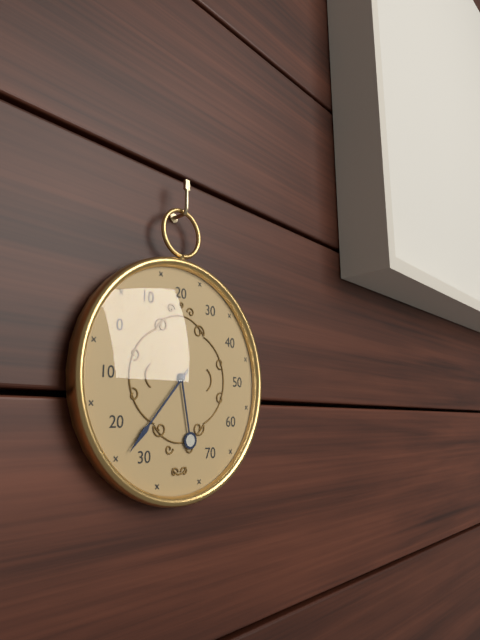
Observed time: **5:37**
